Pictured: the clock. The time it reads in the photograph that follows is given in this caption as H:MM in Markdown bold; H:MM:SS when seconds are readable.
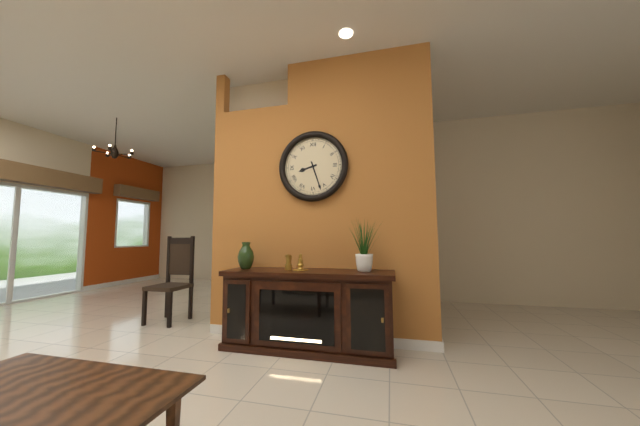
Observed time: **8:27**
